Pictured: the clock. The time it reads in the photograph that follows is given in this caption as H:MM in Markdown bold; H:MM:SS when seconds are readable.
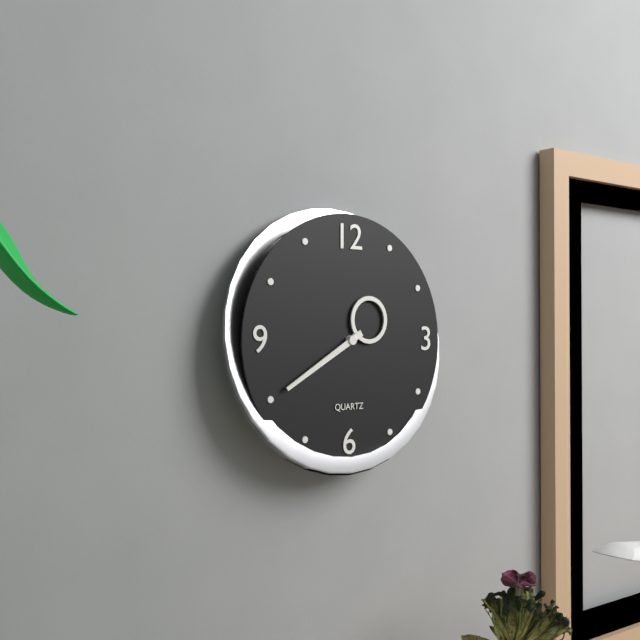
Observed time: **1:40**
